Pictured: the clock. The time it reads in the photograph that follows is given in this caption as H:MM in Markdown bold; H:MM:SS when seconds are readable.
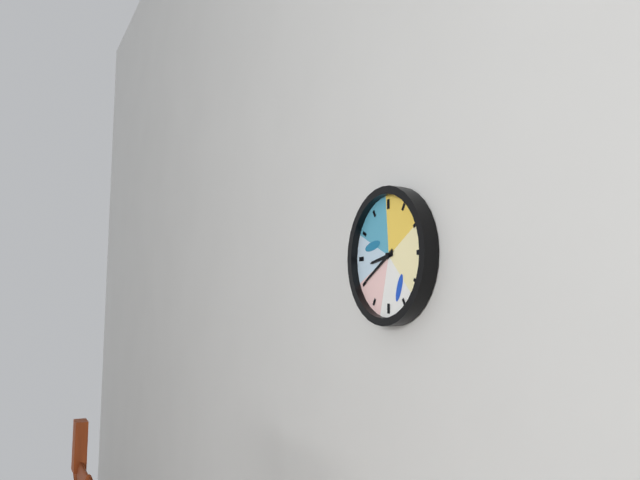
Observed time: **8:40**
